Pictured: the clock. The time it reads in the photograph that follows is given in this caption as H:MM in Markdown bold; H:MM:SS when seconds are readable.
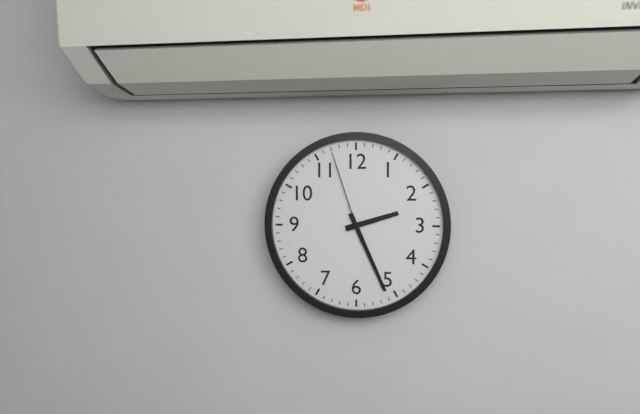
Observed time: **2:26:57**
